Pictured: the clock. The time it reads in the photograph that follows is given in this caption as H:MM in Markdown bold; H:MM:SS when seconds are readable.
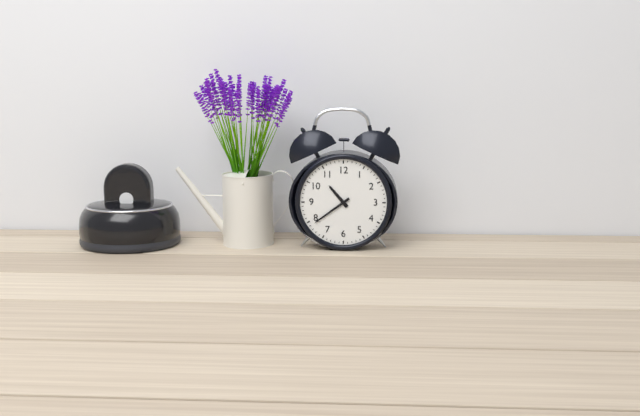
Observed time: **10:39**
